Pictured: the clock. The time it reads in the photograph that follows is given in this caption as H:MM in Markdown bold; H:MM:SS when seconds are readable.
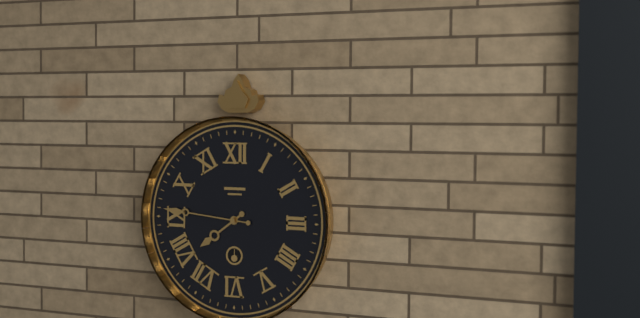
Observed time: **7:46**
